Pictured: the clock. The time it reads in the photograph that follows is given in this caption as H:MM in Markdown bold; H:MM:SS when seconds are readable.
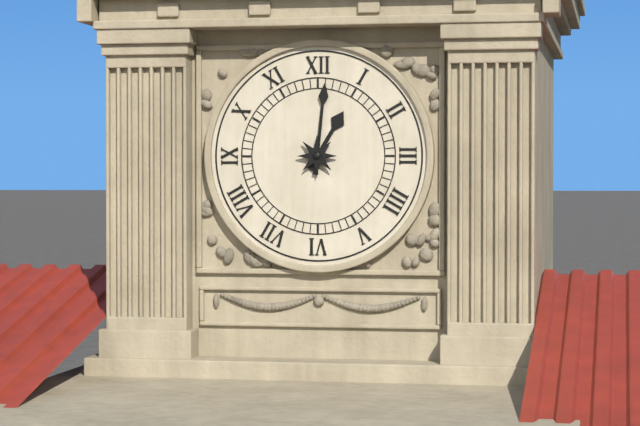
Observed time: **1:01**
